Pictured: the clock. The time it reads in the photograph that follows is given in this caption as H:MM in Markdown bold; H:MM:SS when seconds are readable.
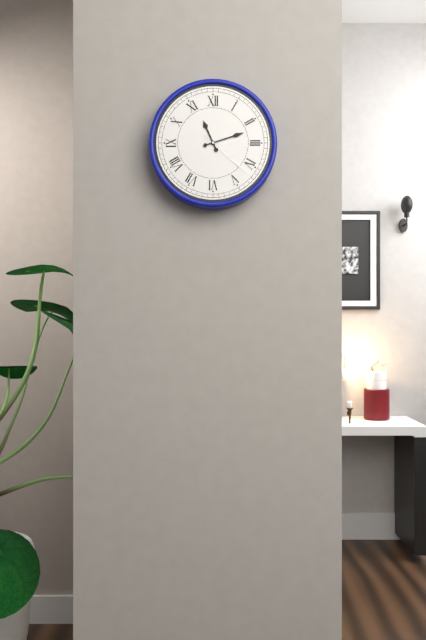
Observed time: **11:12:22**
